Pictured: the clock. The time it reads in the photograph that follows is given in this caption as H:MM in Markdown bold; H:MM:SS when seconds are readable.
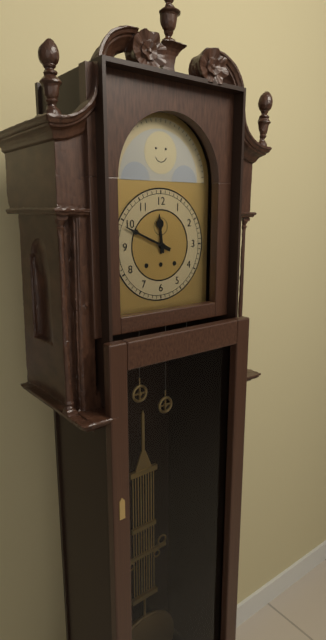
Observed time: **11:49**
